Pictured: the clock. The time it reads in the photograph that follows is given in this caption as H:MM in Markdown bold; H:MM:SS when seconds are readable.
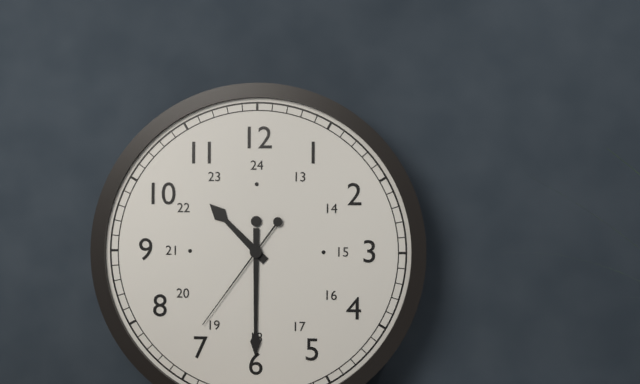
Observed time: **10:30:36**
